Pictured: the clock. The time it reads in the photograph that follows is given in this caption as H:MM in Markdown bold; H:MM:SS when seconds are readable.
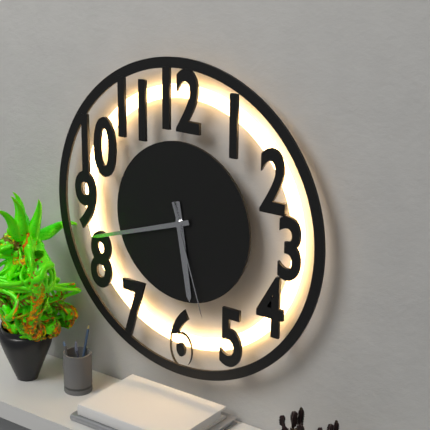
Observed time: **5:42:27**
